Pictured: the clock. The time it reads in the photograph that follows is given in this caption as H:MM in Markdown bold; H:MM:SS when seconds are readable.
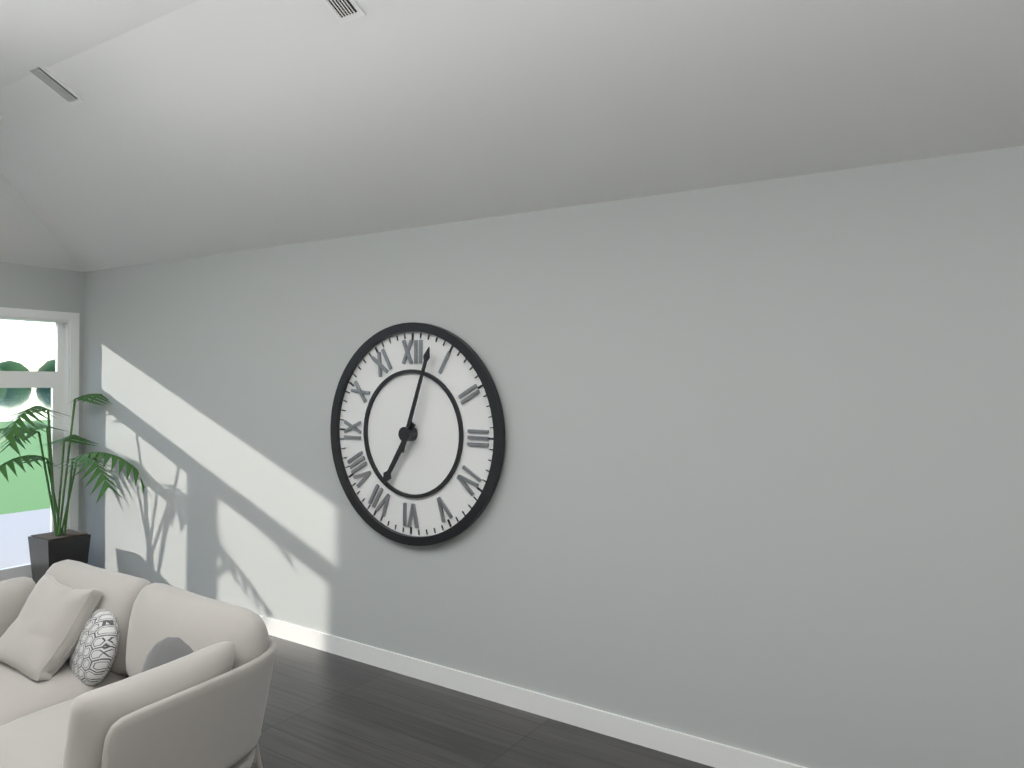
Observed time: **7:03**
